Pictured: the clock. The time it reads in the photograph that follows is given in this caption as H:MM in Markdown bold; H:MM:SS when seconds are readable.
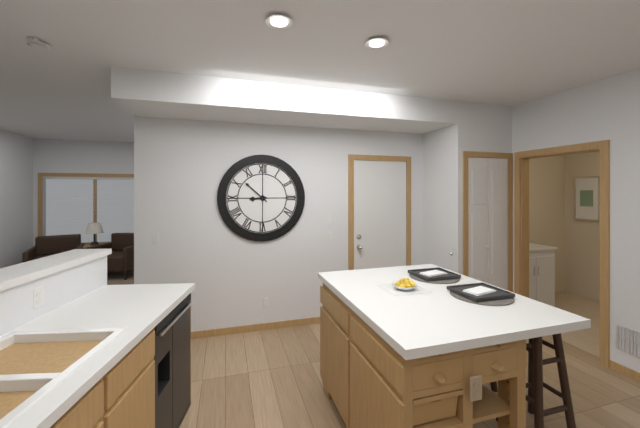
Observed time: **8:52**
